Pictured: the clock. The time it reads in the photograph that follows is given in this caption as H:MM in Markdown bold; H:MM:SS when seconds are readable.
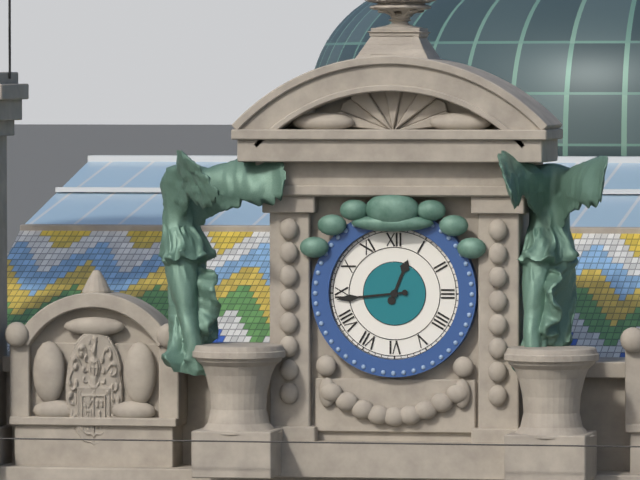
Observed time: **12:44**
